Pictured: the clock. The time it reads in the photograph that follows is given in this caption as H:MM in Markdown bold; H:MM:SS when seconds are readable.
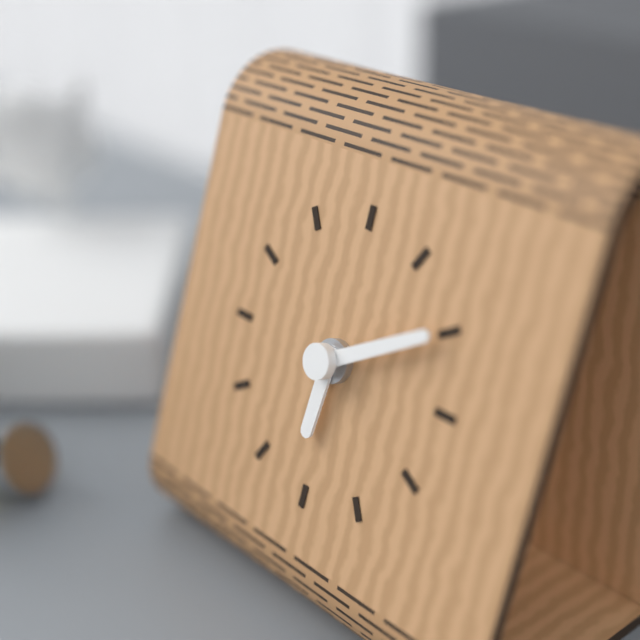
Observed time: **6:10**
